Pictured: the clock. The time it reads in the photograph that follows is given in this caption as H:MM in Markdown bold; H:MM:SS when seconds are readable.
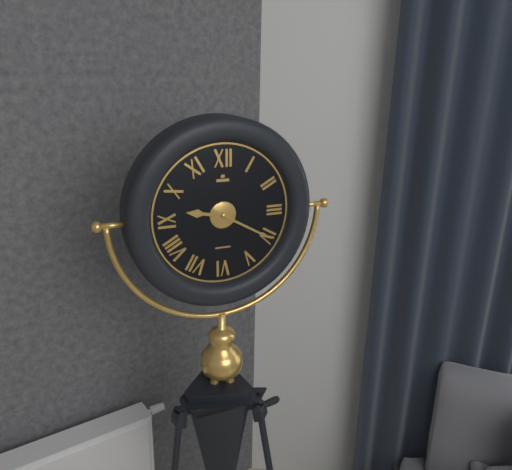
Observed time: **9:20**
